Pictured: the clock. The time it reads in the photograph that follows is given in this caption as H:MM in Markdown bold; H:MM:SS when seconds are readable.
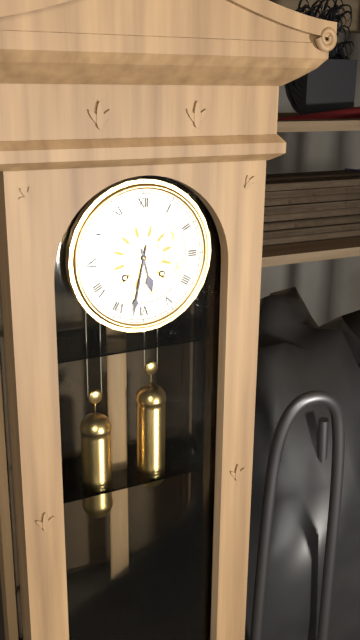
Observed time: **5:32**
